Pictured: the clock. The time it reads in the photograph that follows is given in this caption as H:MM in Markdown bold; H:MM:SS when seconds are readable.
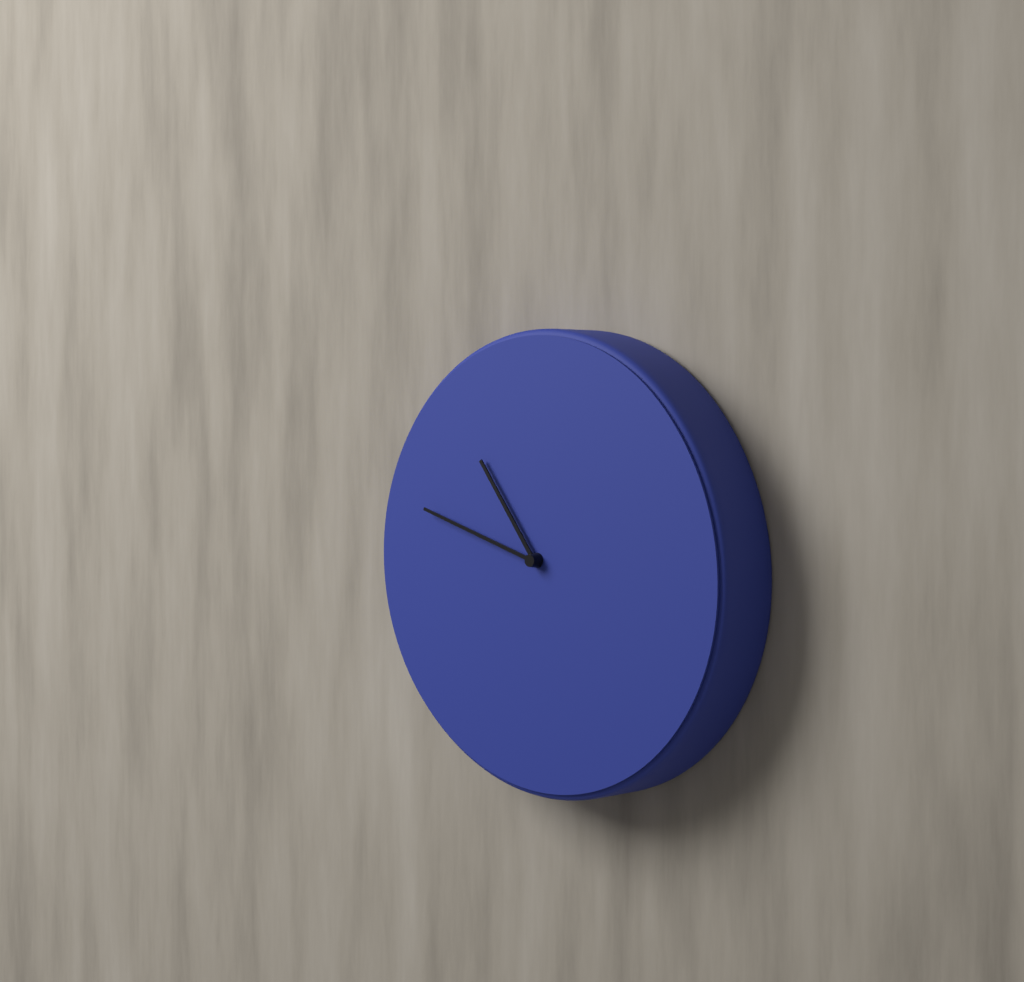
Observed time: **10:48**
